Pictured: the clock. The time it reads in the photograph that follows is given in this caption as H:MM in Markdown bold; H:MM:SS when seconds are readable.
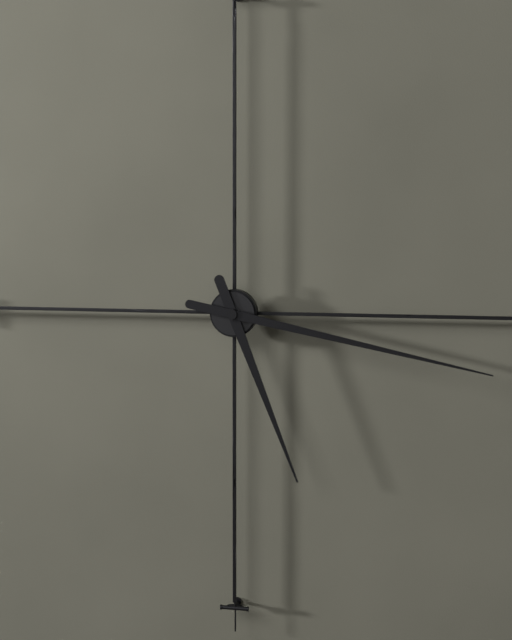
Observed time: **5:17**
